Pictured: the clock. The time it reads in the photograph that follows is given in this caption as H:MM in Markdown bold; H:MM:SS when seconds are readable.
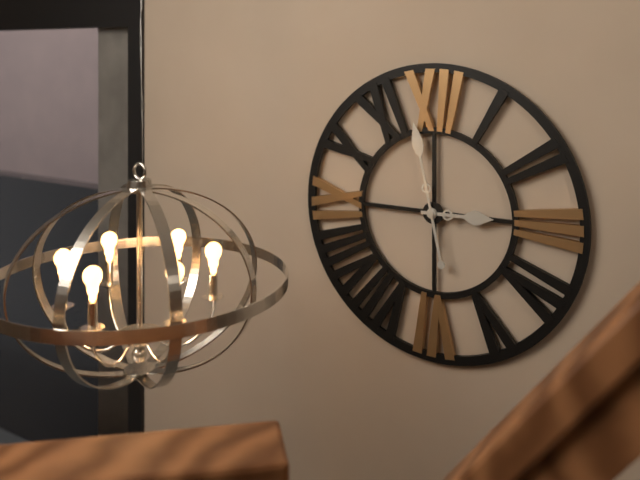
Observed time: **2:58**
